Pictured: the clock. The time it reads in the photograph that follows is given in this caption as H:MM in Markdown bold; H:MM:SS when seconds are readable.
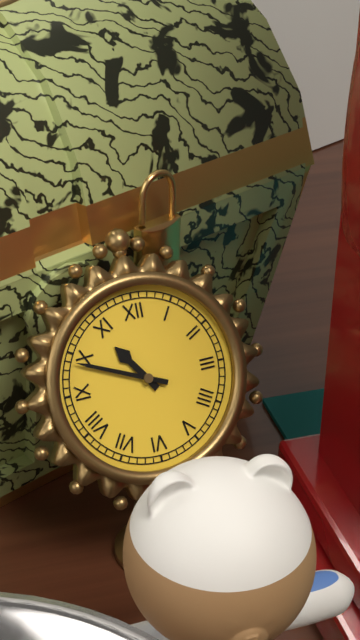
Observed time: **10:49**
